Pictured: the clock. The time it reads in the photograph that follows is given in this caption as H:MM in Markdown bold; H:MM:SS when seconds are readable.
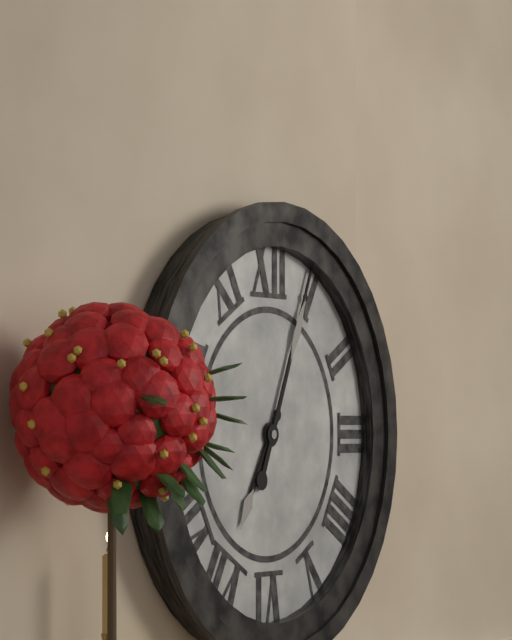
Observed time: **7:04**
